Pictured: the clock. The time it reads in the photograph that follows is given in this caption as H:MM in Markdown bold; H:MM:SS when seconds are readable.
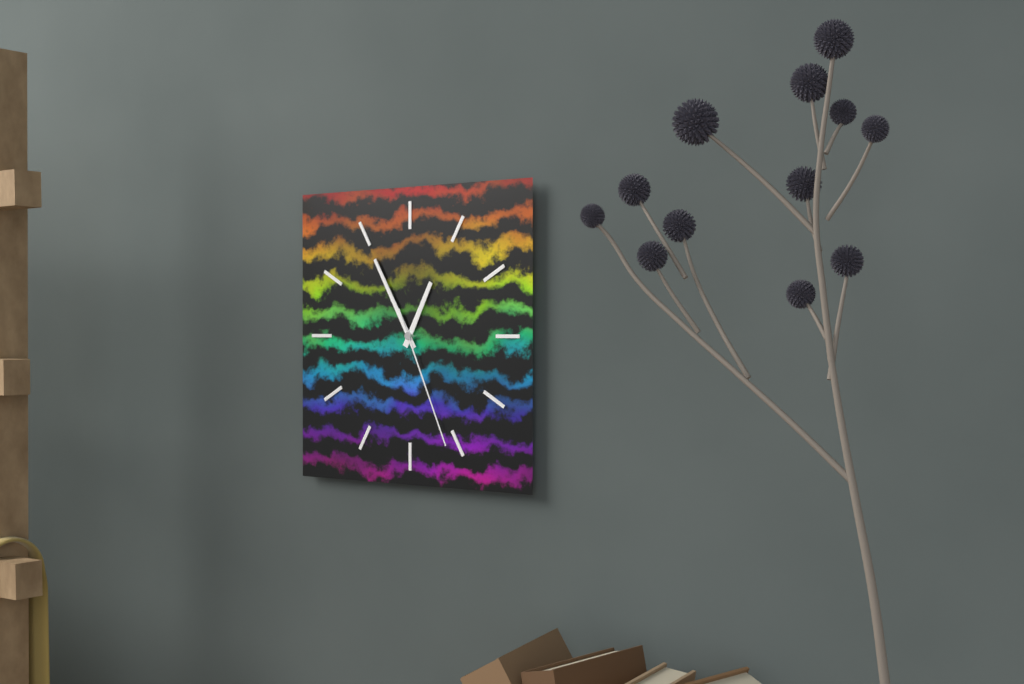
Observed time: **12:55:26**
